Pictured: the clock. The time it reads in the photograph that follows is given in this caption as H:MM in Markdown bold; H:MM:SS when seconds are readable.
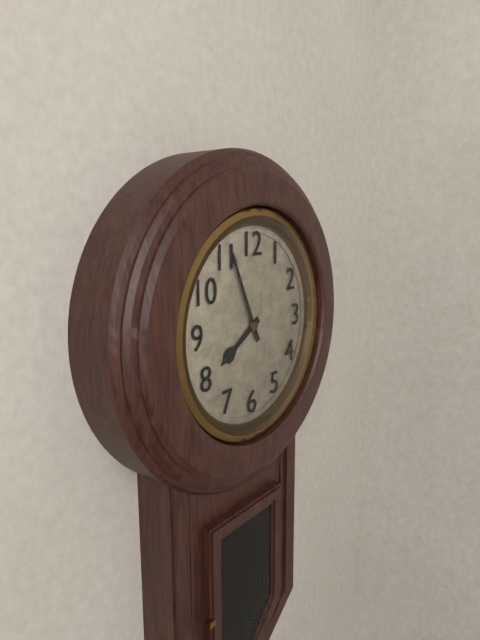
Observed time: **7:56**
